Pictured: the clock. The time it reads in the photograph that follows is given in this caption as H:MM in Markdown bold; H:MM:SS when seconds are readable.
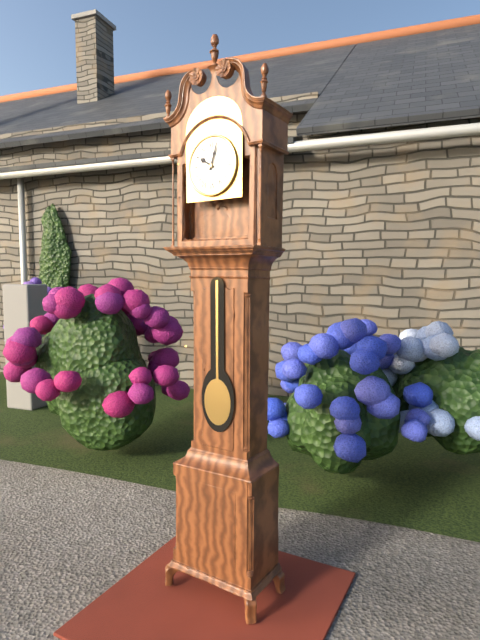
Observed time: **10:03**
